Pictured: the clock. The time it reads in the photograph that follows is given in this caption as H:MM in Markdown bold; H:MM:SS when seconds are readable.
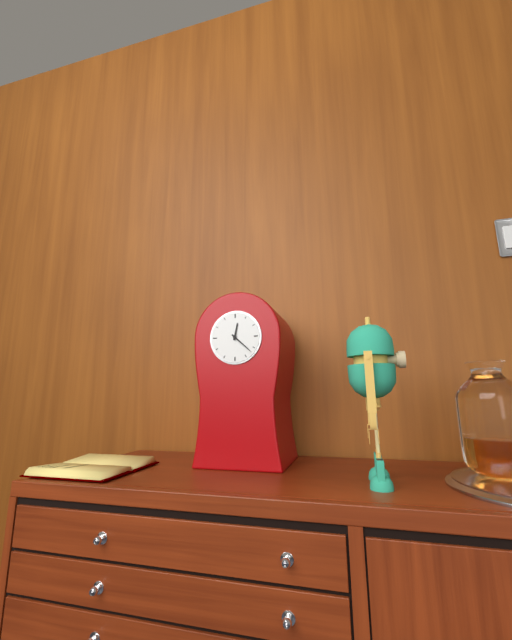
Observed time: **12:22**
